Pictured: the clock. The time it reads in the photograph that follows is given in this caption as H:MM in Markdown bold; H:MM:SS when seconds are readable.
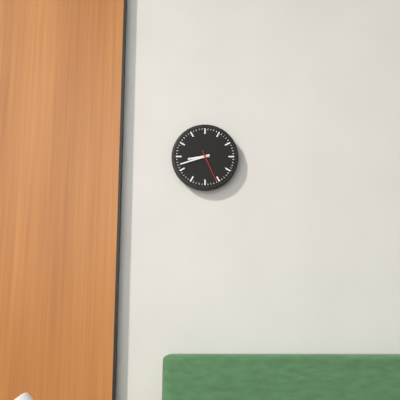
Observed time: **8:42**
